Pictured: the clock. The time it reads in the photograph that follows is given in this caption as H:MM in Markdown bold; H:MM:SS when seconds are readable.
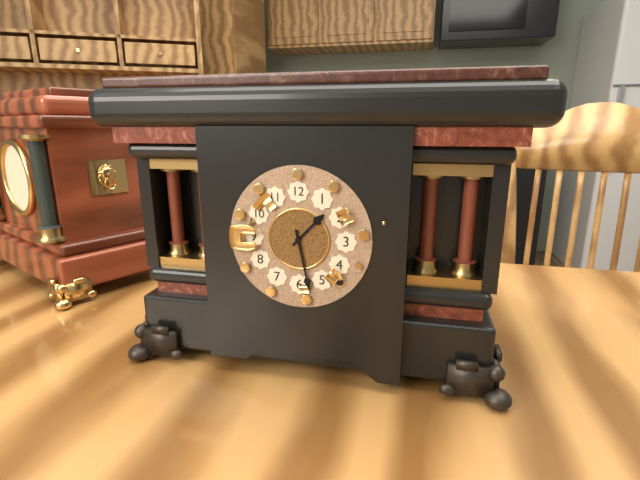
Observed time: **1:28**
